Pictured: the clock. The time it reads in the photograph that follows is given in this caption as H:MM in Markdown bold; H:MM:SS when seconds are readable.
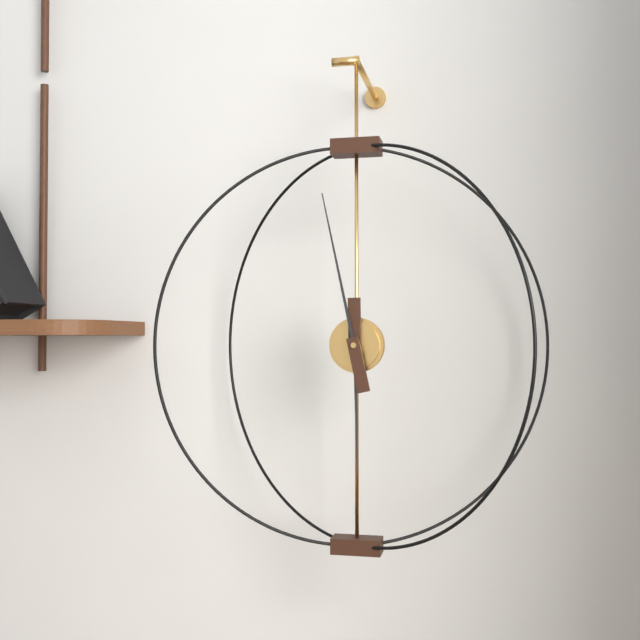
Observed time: **5:58**
